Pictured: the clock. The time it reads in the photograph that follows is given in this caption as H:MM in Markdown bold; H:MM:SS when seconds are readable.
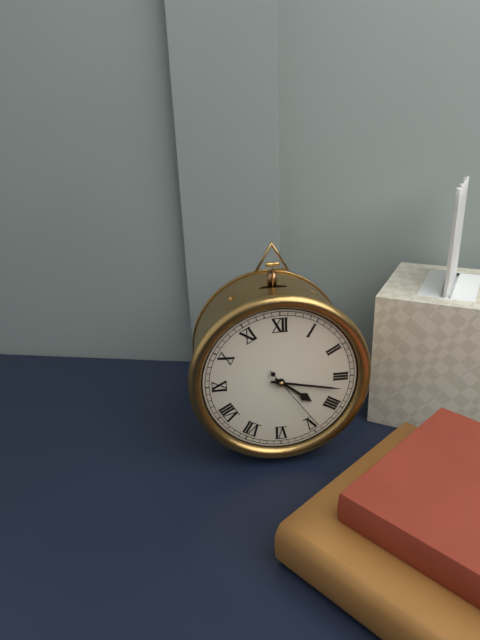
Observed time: **4:17:24**
